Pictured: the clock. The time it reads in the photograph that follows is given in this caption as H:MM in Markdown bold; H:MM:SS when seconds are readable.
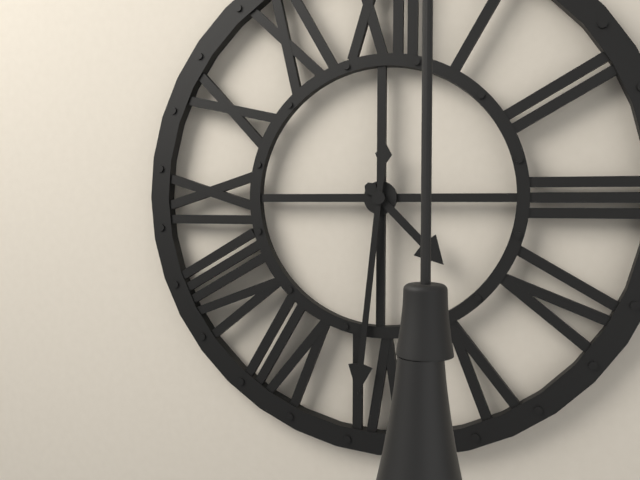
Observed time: **4:31**
